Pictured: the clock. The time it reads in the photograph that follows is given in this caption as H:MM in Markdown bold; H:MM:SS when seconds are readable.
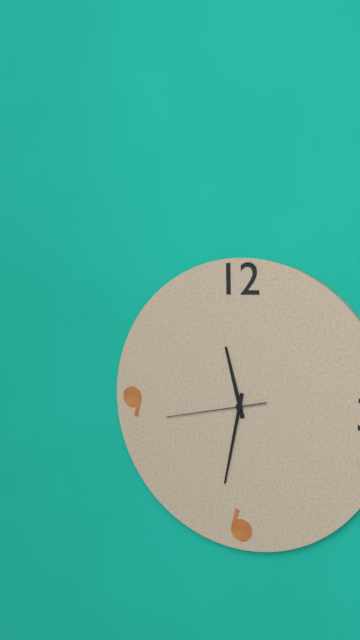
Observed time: **11:32:43**
